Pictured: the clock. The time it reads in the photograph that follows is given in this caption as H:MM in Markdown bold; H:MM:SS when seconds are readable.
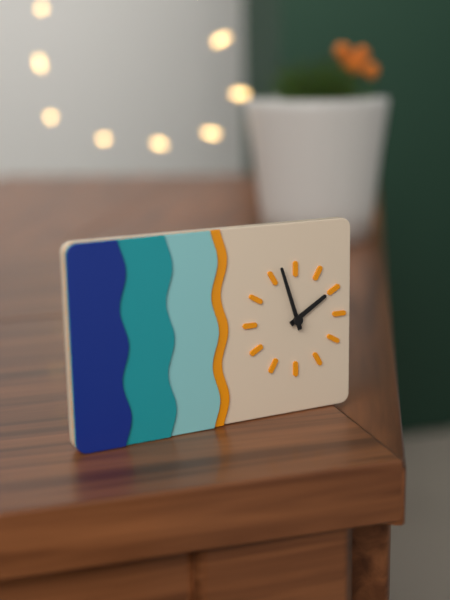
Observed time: **1:57**
